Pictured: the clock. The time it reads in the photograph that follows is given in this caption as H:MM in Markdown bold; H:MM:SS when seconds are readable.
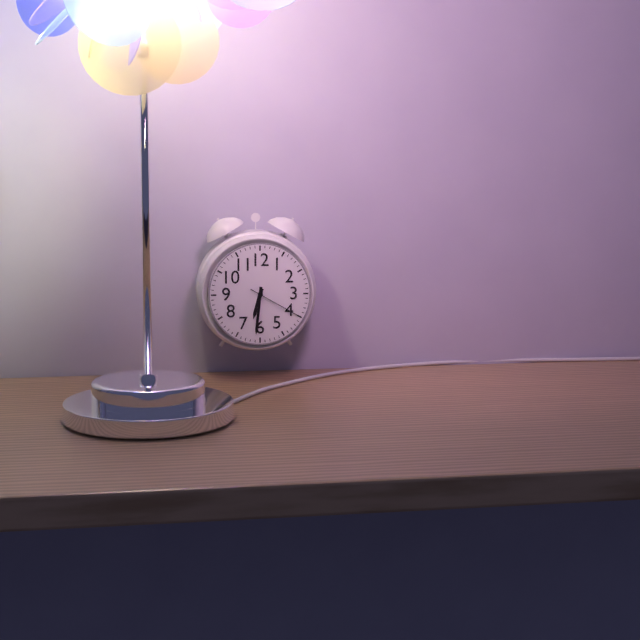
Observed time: **6:31:20**
